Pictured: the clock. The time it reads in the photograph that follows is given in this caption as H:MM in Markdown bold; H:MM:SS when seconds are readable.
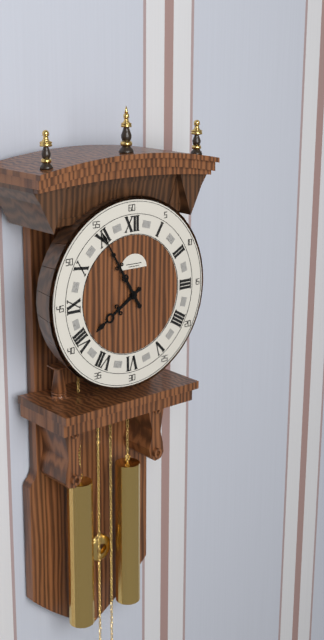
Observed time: **7:55**
